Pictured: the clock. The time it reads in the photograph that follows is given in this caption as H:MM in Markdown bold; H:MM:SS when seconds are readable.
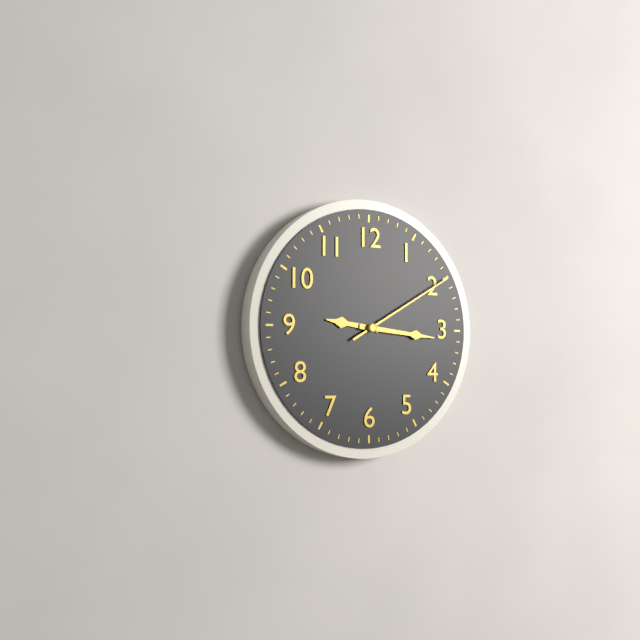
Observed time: **9:16:10**
